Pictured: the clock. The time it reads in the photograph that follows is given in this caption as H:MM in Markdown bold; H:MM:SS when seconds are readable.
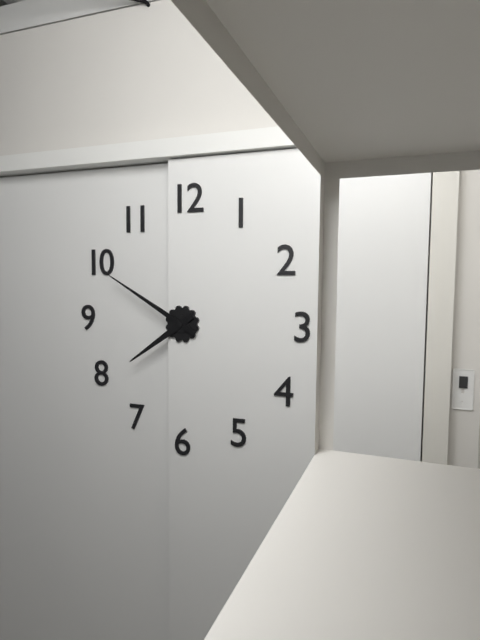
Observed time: **7:50**
